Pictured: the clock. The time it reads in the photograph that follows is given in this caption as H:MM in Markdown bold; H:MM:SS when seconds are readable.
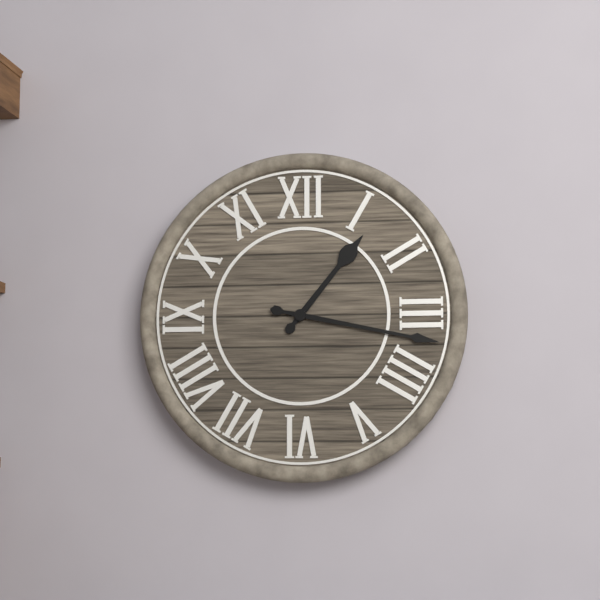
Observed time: **1:17**
